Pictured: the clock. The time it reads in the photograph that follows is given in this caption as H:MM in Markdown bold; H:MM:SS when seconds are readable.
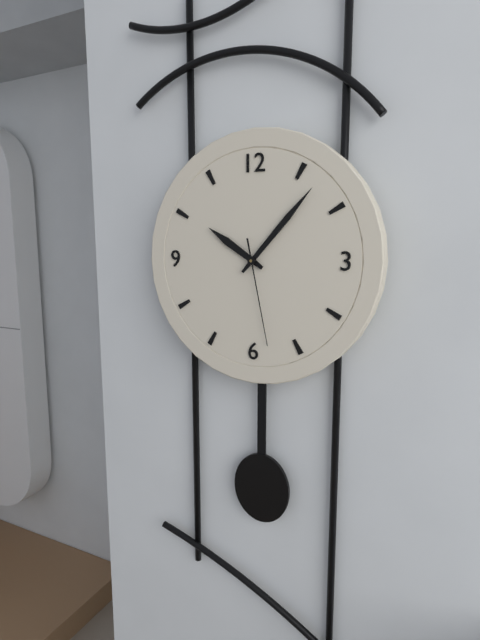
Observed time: **10:07:28**
